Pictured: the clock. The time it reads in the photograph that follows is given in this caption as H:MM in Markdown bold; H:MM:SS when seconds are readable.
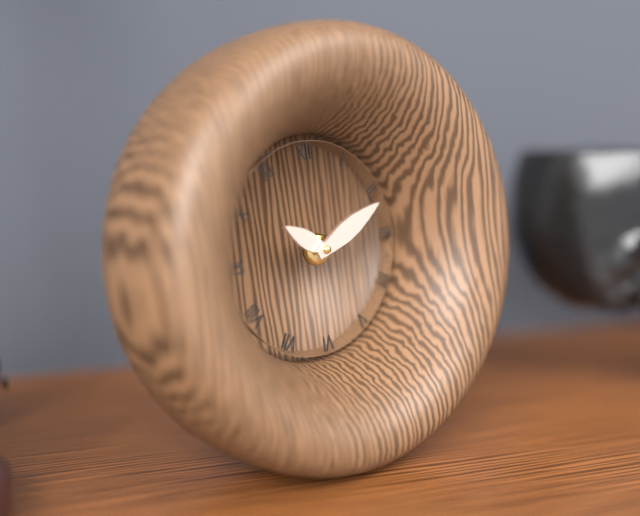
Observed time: **10:11**
